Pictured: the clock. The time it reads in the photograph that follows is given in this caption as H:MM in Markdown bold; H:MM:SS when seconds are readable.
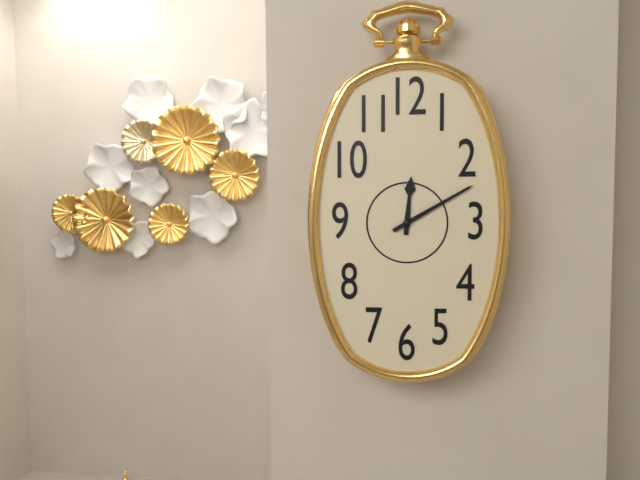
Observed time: **12:10**
